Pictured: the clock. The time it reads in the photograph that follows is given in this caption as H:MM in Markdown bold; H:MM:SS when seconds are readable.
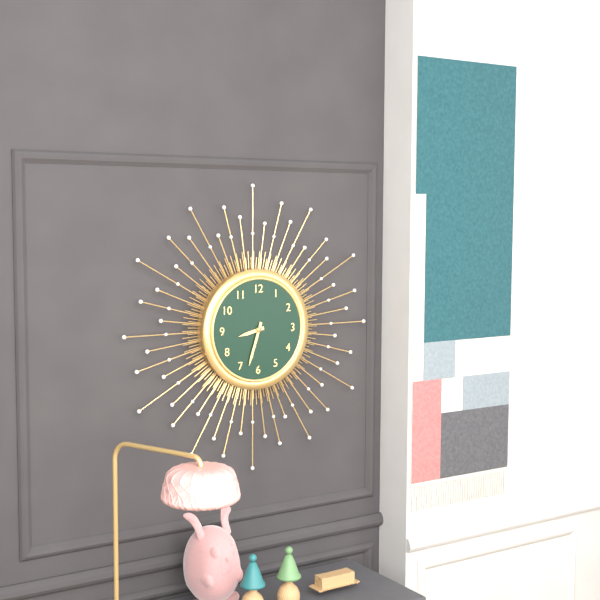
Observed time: **8:33**
